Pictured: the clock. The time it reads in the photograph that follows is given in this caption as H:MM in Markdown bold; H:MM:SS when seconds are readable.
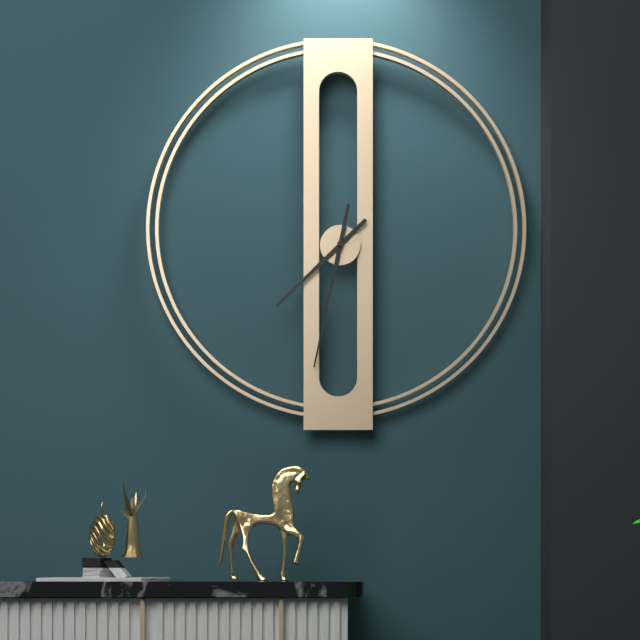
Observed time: **7:32**
